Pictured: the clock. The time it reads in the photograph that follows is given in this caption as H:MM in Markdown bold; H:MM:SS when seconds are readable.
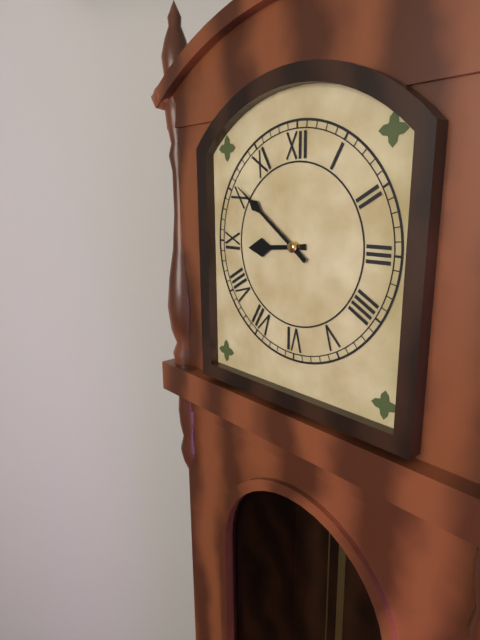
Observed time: **8:51**
